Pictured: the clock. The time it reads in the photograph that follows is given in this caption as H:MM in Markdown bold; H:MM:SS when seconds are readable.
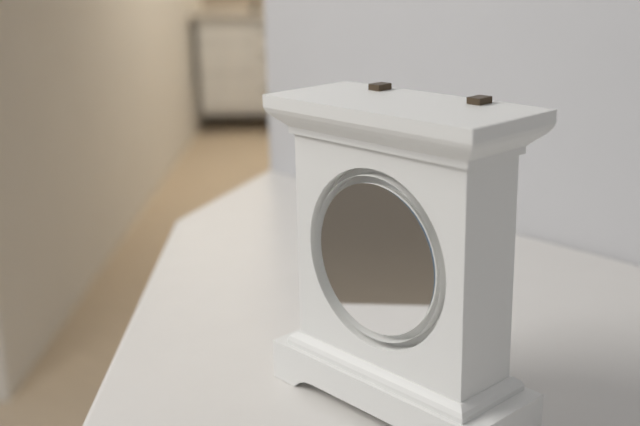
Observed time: **2:57**
